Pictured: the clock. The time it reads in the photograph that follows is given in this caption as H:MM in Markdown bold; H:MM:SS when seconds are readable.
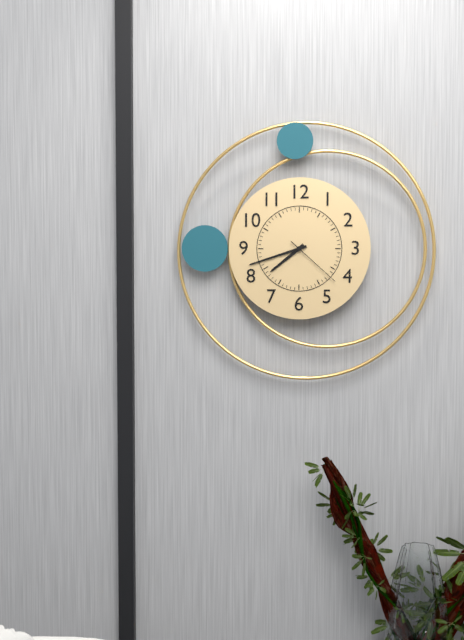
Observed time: **7:42:22**
